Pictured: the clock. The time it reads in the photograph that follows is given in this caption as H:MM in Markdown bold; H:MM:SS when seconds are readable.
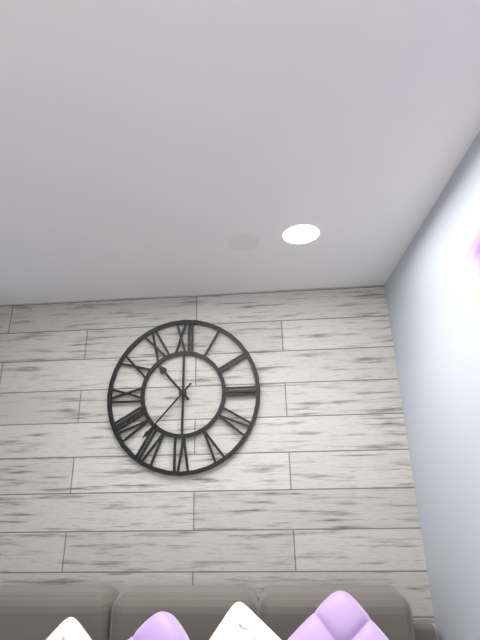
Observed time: **10:37**
